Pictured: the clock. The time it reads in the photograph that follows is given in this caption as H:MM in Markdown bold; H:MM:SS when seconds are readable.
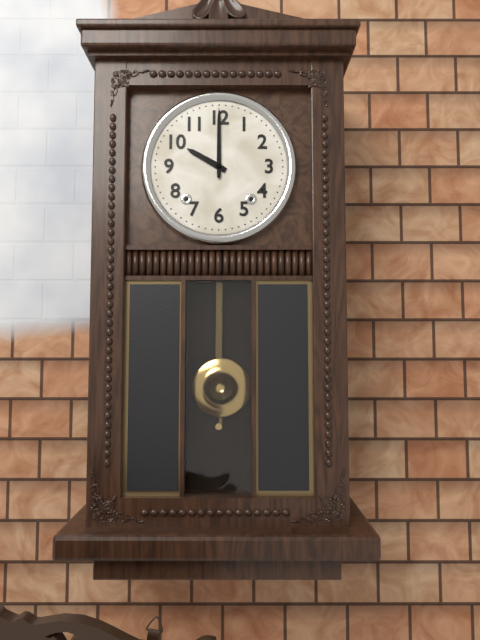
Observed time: **10:00**
